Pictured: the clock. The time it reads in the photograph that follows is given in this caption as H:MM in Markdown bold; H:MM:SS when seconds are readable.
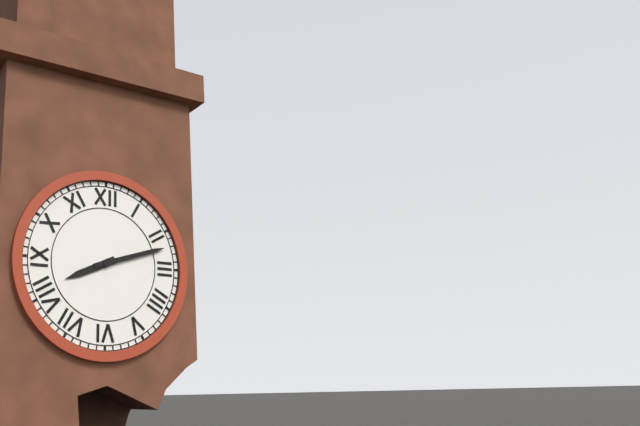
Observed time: **8:12**
